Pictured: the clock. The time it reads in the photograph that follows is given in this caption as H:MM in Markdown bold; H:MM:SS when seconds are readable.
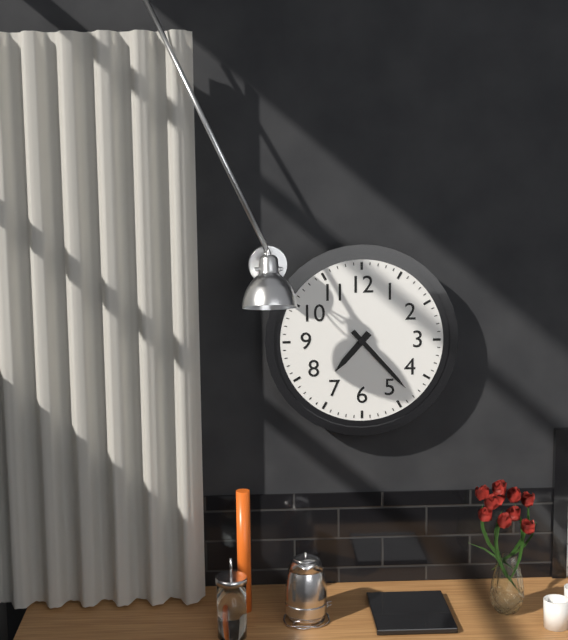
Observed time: **7:23**
